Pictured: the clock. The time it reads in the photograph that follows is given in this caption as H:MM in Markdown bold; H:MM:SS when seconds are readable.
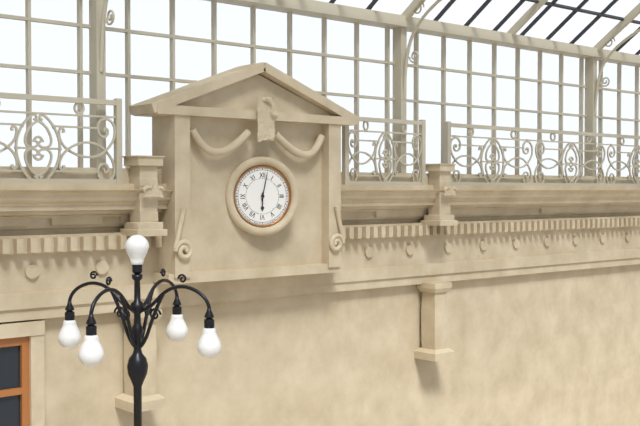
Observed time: **6:02**
